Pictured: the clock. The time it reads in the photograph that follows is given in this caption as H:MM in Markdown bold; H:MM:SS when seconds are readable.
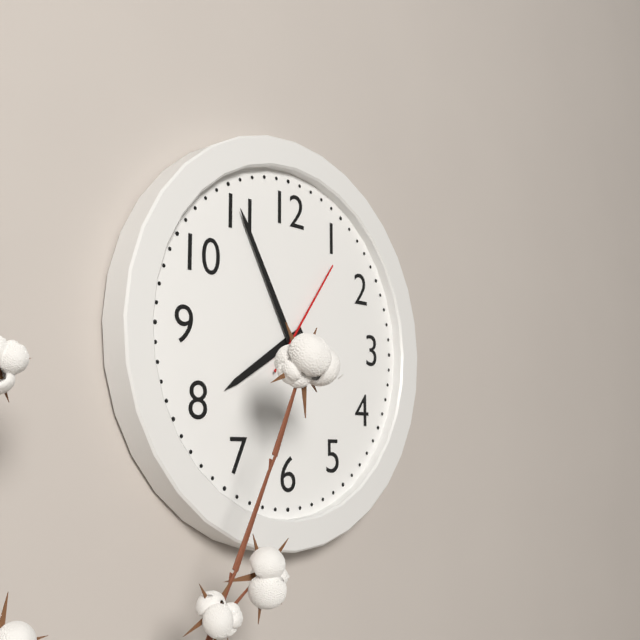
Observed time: **7:55:06**
